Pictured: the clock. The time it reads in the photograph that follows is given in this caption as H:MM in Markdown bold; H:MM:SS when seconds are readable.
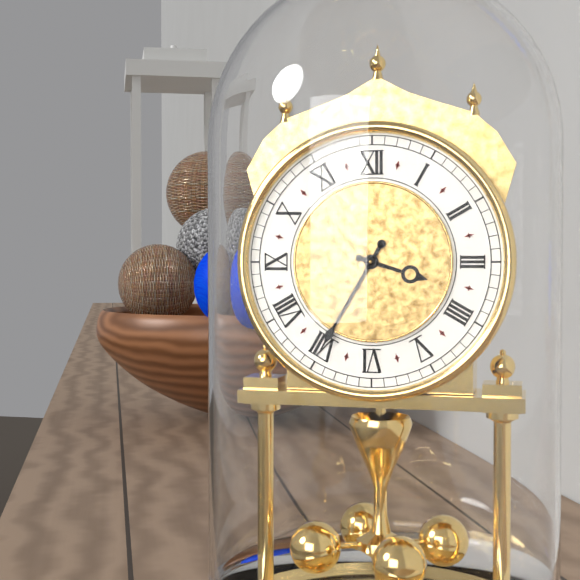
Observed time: **3:35**
